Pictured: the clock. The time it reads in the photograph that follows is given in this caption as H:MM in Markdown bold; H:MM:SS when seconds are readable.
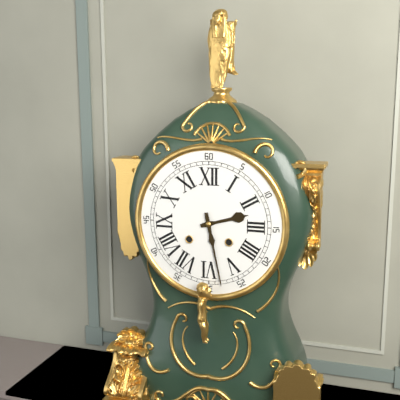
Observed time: **2:28**
